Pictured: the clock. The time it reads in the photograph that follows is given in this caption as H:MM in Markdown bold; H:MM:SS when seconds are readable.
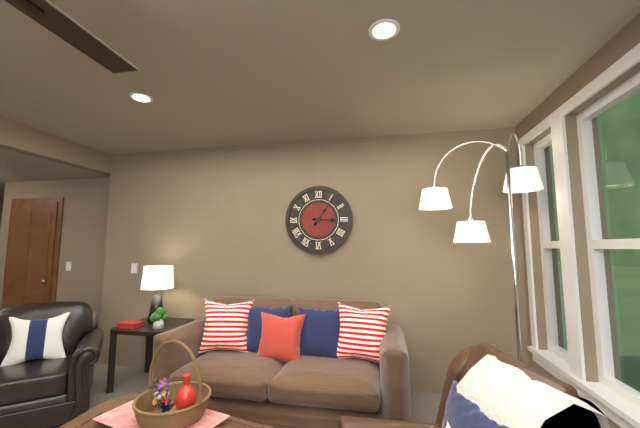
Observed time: **3:06**
